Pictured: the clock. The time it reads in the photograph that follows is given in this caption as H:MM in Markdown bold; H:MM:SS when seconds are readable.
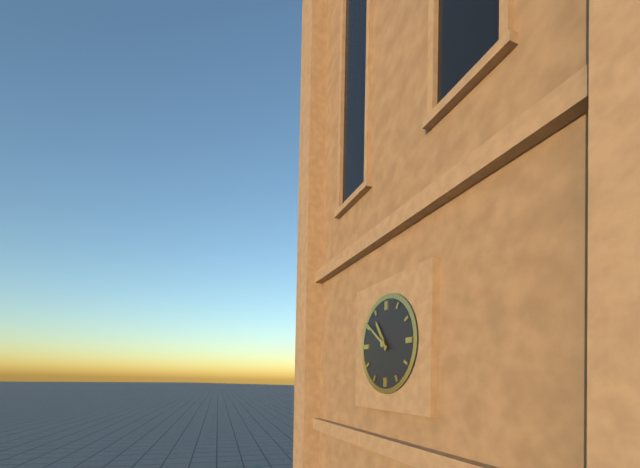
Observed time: **10:51**
